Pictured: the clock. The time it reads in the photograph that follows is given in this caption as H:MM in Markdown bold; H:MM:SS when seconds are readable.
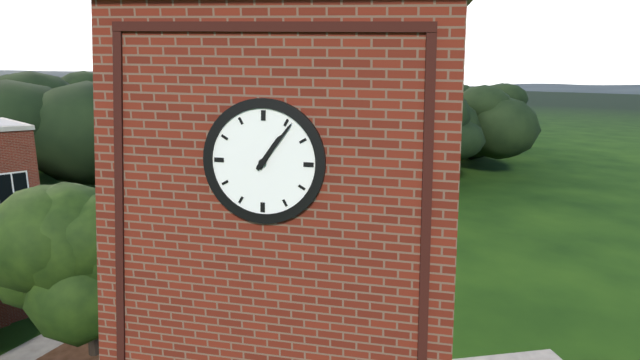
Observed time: **1:06**
